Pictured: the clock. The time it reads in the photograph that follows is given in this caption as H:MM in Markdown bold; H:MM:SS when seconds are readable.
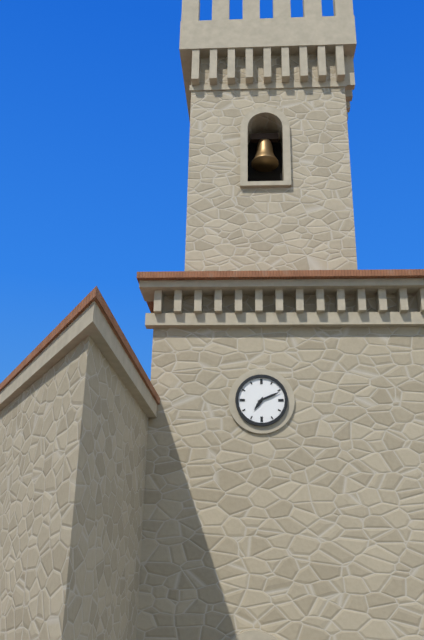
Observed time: **7:11**
